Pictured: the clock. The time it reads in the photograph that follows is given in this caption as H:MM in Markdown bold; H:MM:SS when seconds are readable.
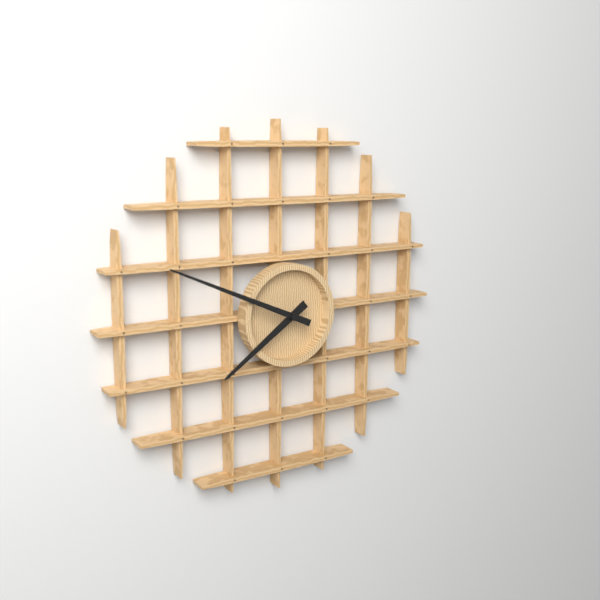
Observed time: **7:49**
